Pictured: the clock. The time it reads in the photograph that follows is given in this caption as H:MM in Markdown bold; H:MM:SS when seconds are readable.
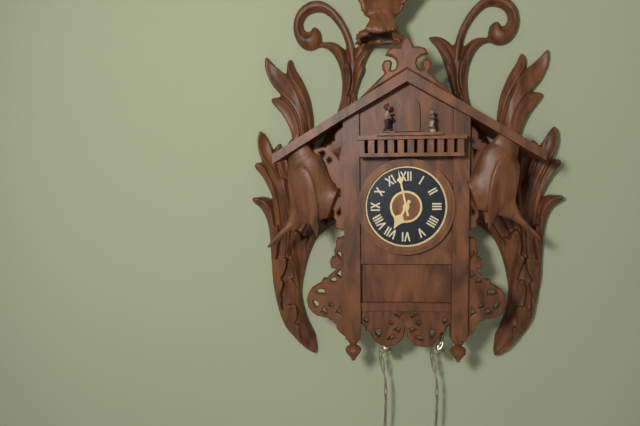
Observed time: **6:58**
